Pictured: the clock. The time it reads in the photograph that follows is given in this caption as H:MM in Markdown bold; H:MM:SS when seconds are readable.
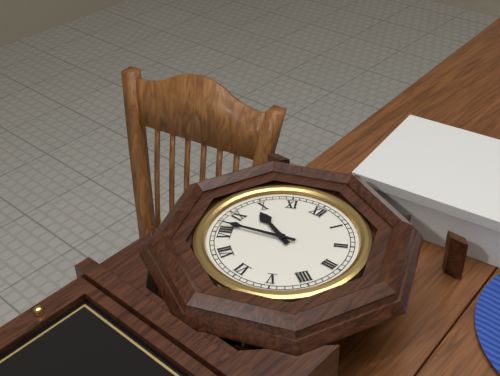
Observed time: **9:42**
